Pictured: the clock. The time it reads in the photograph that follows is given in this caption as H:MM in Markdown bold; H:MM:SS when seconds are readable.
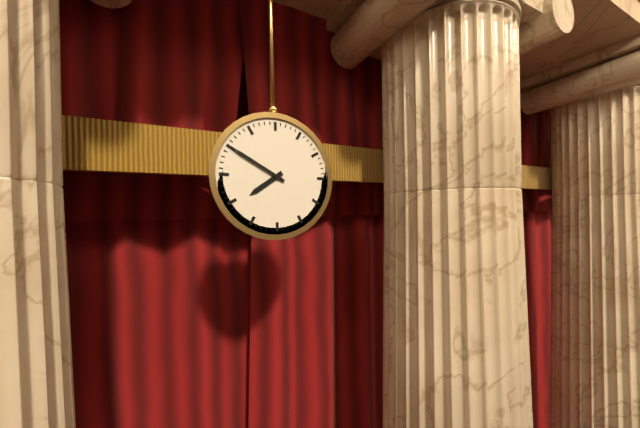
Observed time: **7:50**
